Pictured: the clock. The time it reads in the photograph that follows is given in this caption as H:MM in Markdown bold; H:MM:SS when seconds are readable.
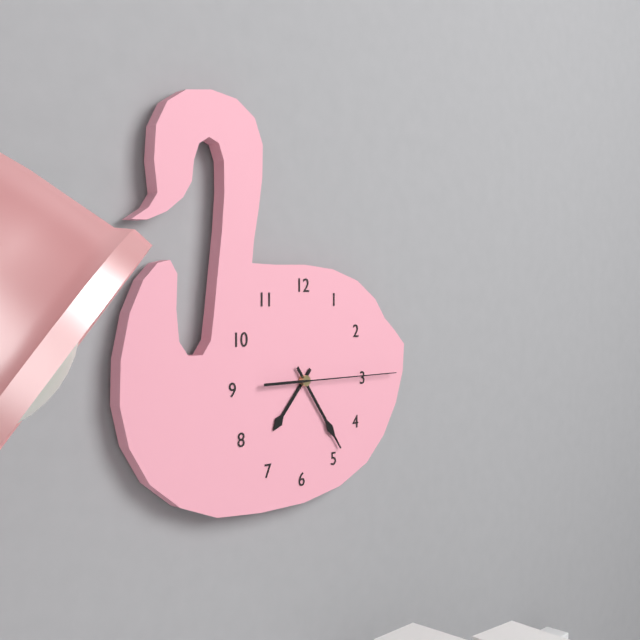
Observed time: **7:24:15**
